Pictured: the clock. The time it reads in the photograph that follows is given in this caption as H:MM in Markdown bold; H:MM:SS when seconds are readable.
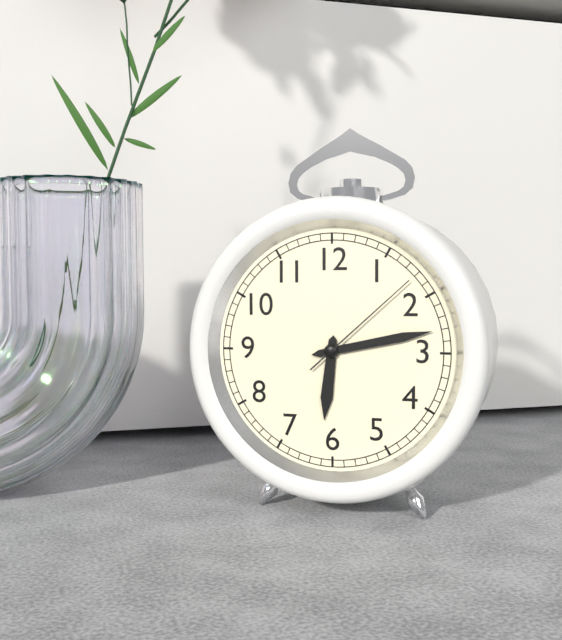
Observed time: **6:13:08**
